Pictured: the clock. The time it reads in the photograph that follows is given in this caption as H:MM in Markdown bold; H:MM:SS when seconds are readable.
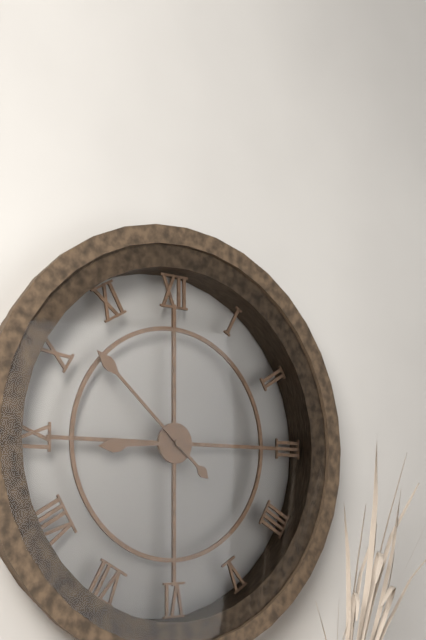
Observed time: **8:52**
